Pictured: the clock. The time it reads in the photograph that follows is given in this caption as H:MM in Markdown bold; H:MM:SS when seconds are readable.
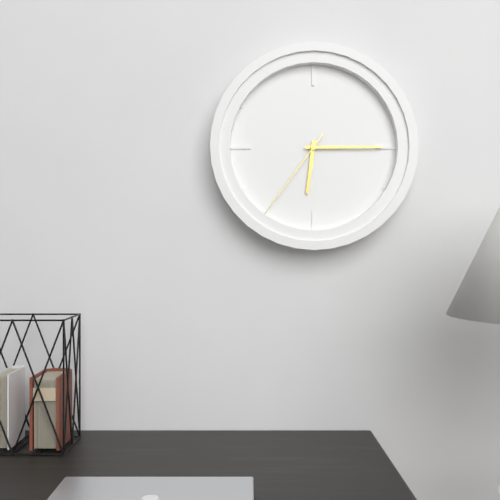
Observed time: **6:15:36**
